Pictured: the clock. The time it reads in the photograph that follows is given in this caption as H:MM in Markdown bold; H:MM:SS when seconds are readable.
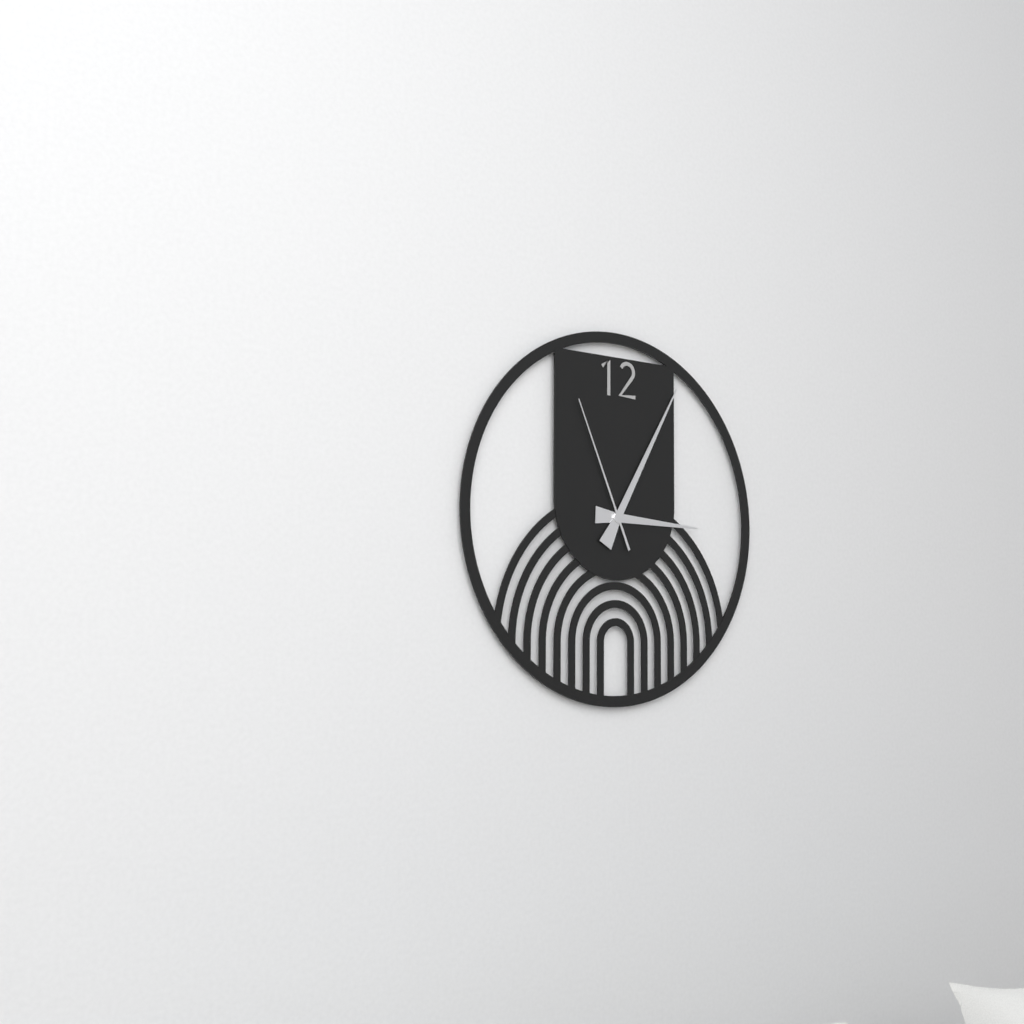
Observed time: **3:05:56**
